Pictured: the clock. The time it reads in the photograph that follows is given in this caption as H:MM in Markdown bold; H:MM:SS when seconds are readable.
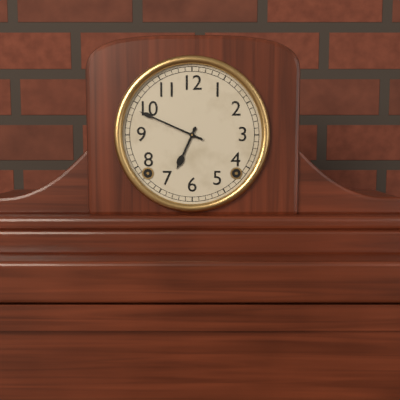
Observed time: **6:49**
